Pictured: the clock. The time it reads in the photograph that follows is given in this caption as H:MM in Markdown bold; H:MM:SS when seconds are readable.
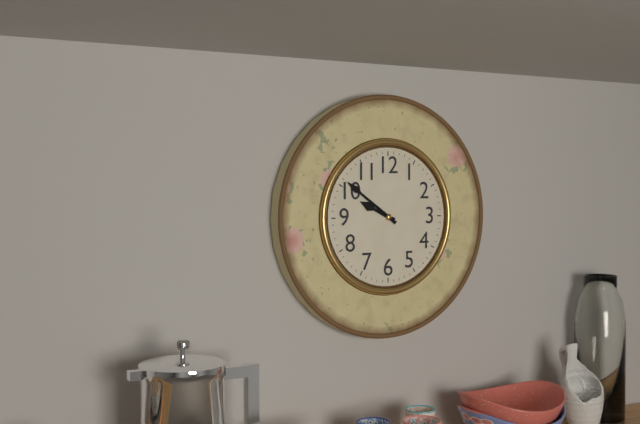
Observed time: **9:51**
